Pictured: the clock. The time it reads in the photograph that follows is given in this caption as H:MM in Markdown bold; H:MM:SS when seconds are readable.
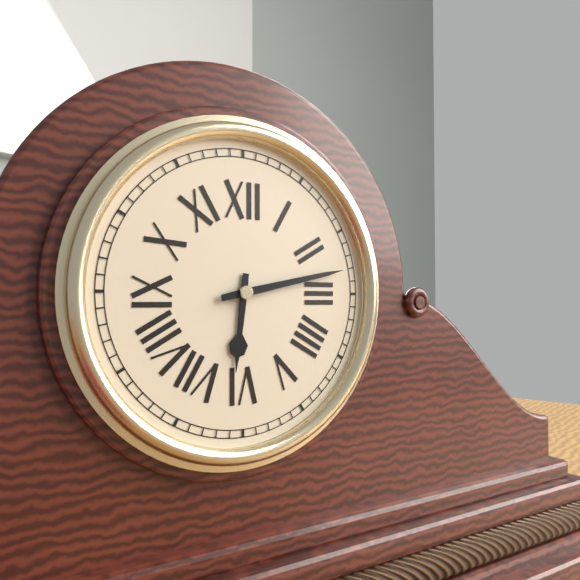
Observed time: **6:13**
